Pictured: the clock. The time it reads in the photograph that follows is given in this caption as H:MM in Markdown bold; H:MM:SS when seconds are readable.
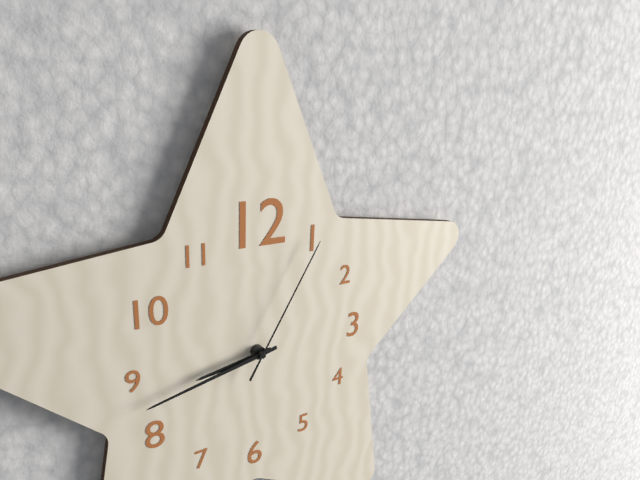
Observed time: **8:43:05**
